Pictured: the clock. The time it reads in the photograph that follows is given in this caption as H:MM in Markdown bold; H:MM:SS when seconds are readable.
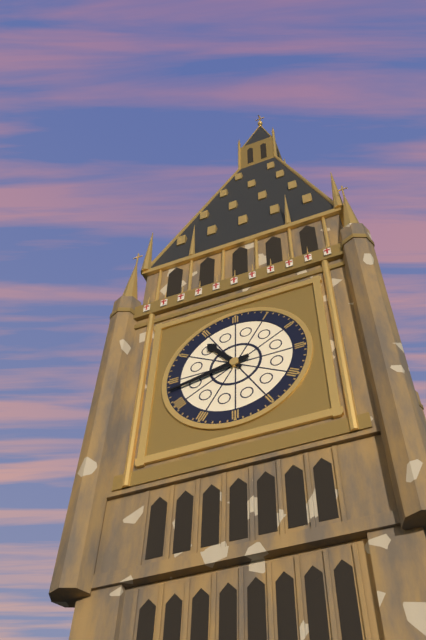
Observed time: **10:43**
